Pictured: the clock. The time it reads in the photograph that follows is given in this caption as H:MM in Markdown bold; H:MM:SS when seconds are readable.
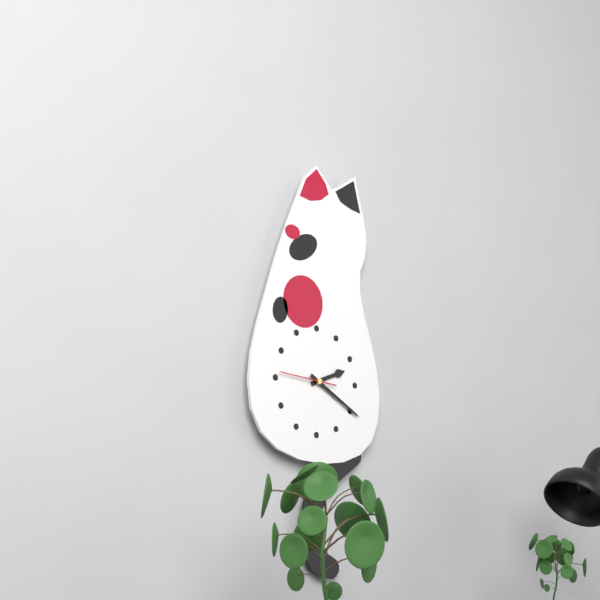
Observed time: **2:20**
